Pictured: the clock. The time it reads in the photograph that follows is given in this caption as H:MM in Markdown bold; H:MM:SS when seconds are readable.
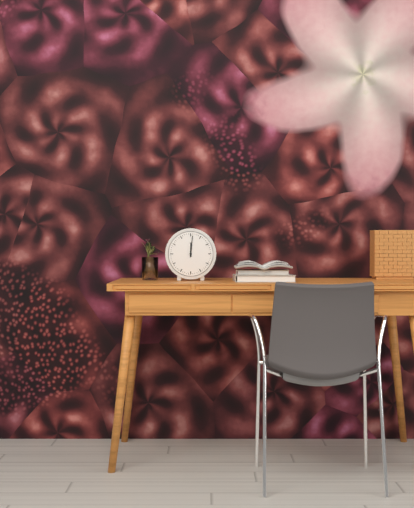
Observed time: **12:01**
